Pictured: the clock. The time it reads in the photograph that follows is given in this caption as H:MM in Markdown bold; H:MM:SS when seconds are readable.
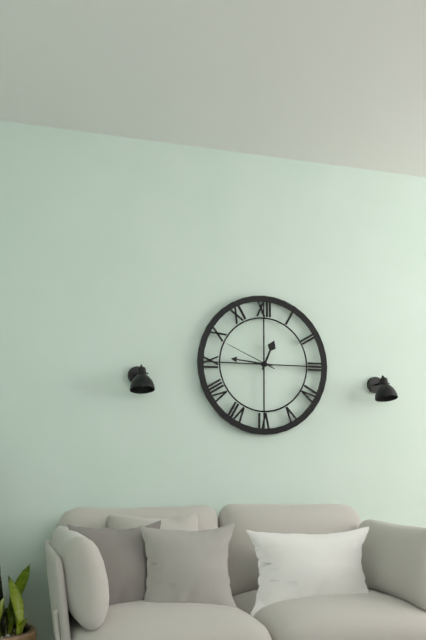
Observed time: **12:46:49**
